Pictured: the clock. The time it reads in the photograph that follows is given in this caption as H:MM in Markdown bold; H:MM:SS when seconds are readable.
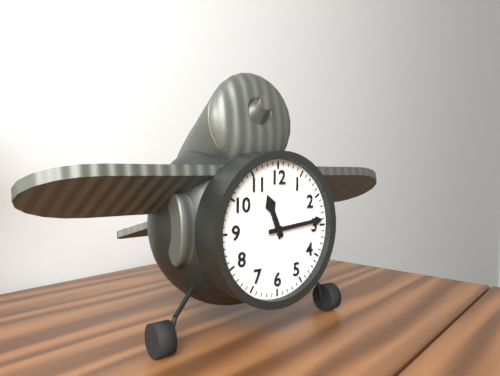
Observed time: **11:14**
